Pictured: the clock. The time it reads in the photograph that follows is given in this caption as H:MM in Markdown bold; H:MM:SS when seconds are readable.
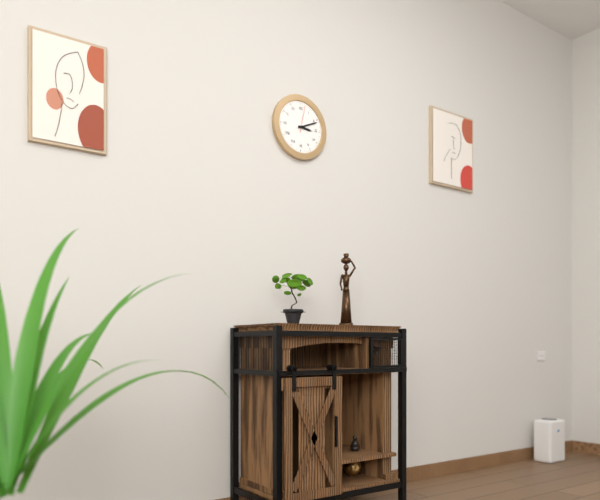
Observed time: **3:11**
